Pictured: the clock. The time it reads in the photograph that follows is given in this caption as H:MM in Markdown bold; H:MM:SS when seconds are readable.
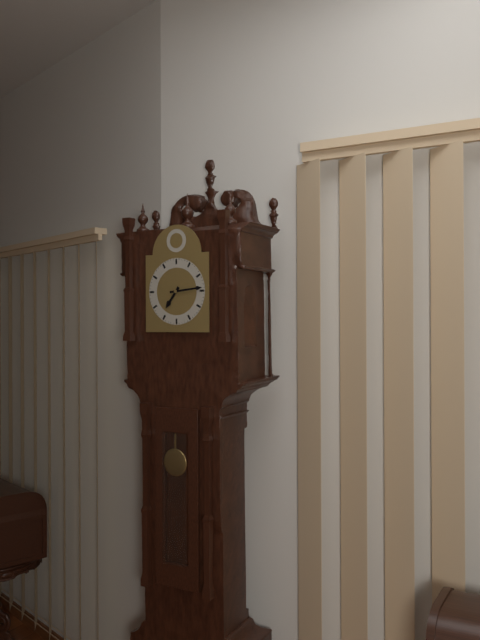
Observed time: **7:14**
